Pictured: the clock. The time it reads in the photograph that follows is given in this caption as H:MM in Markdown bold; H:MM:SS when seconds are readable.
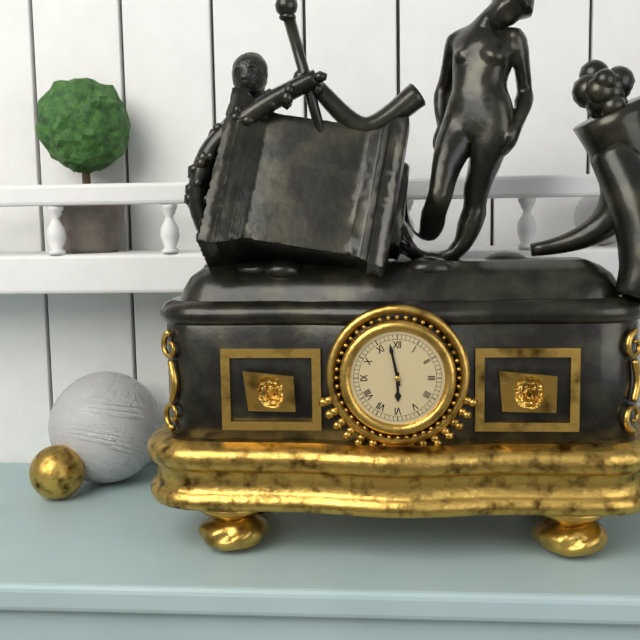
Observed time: **5:58**
